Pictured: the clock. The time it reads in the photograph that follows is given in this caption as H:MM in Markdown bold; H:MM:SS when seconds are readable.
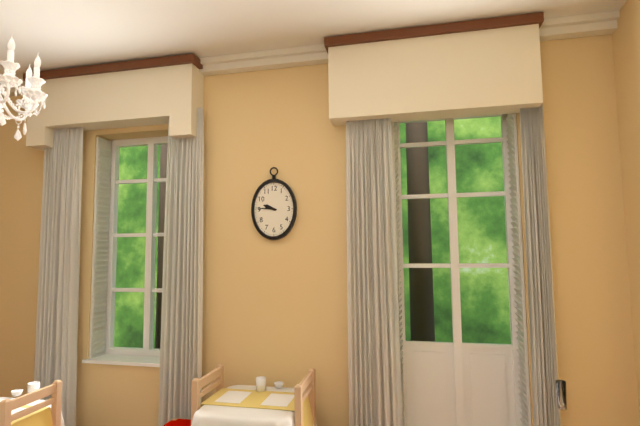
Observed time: **9:46**
